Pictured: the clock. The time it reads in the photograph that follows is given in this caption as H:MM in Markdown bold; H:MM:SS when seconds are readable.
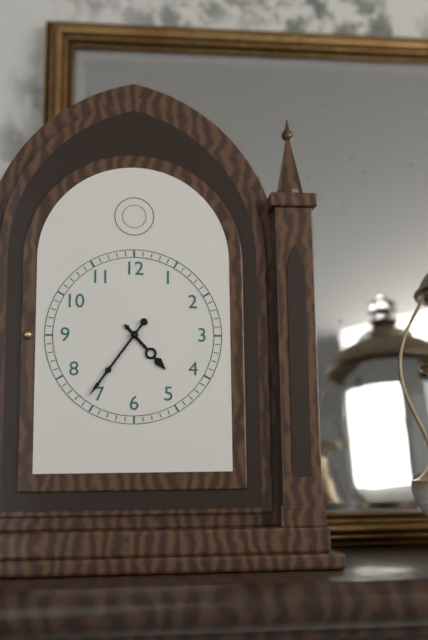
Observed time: **4:36**
